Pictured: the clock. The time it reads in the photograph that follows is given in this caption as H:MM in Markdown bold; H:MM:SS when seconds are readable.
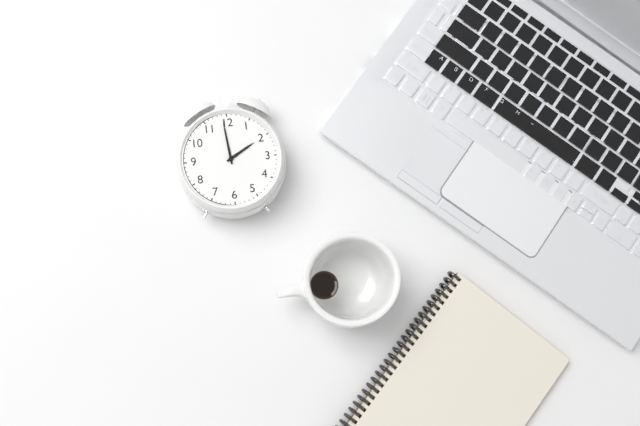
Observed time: **1:59**
